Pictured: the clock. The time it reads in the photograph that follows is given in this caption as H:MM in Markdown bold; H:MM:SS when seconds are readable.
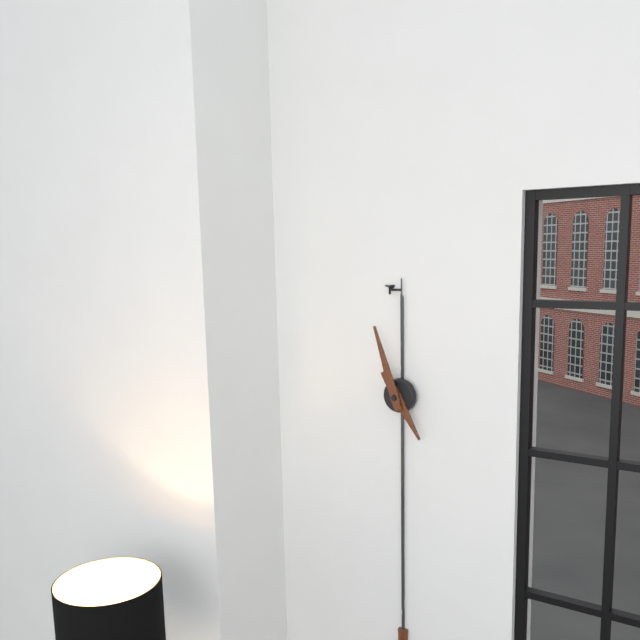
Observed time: **4:57**
